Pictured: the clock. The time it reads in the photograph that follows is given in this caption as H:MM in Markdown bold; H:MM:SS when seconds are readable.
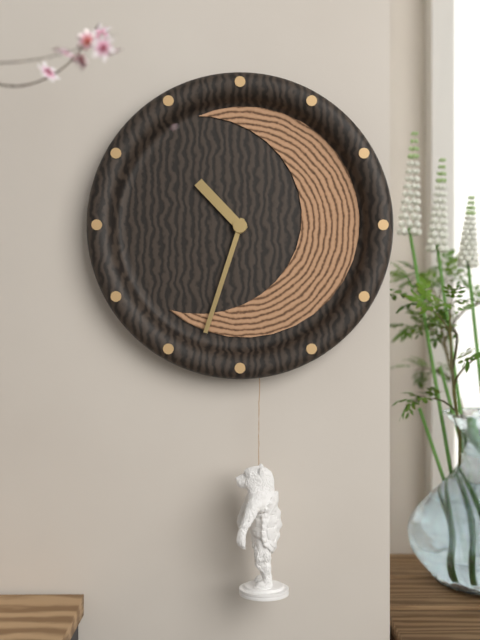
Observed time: **10:33**
